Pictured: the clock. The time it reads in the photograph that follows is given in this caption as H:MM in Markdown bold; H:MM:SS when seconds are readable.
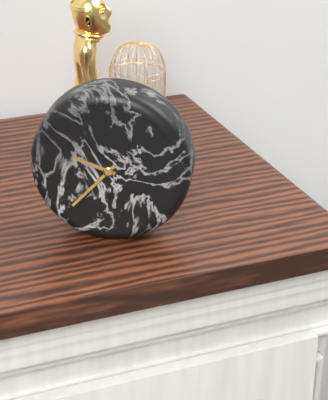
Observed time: **9:37**
